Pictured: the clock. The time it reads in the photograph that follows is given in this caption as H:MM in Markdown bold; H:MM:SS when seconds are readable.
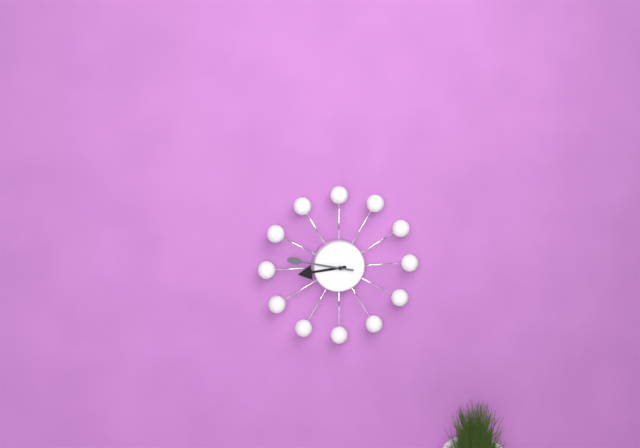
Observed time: **8:47**
